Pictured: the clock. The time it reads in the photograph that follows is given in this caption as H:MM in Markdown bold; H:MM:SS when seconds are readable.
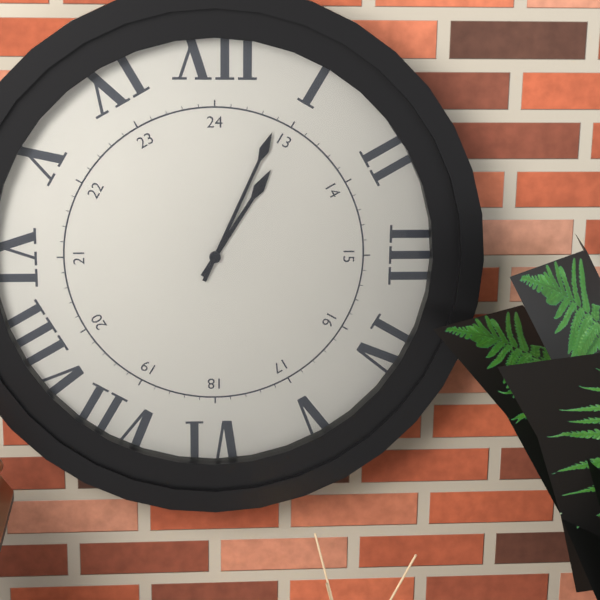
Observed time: **1:04**
